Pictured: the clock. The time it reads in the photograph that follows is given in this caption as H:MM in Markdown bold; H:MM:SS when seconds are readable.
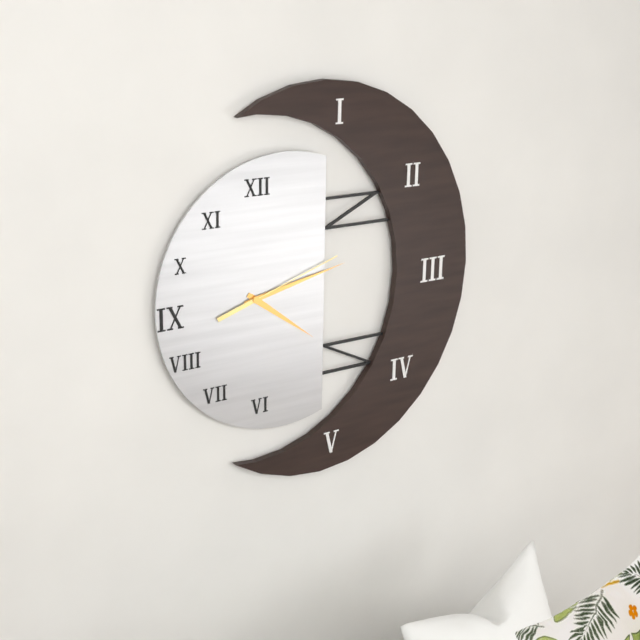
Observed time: **4:13:12**
